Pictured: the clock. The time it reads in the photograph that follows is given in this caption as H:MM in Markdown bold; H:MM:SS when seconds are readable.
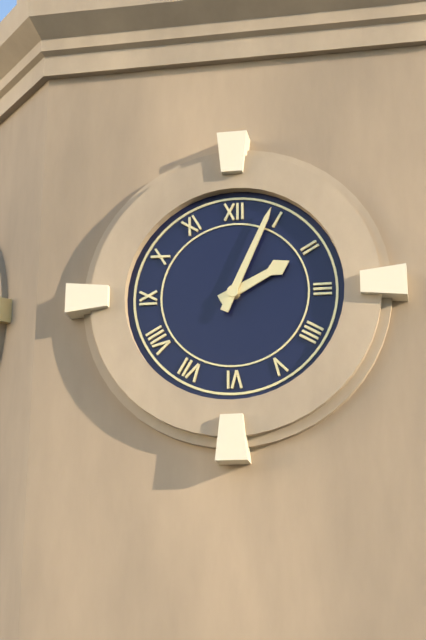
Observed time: **2:04**
